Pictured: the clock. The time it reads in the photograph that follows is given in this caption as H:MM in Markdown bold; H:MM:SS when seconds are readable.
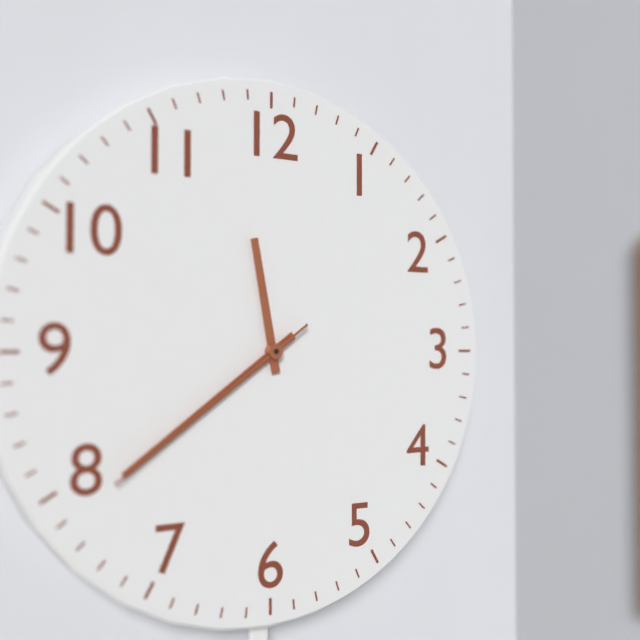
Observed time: **11:39:39**
